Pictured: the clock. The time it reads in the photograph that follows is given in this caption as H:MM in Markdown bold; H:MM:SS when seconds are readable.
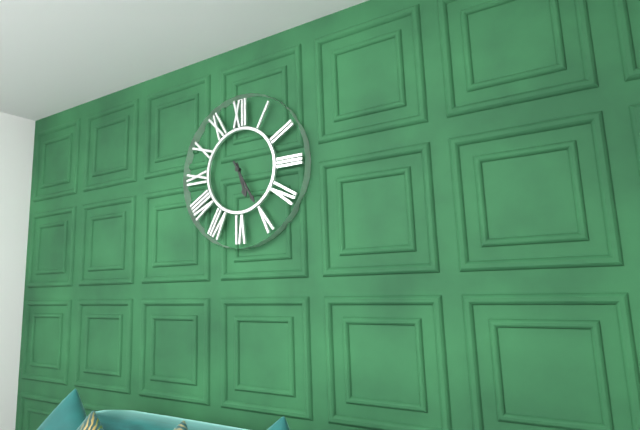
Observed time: **5:25**
